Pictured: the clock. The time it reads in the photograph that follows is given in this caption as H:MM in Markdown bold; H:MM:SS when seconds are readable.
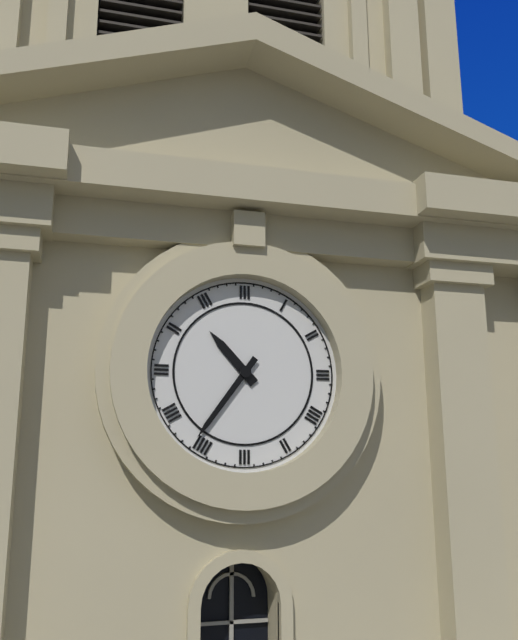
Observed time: **10:36**
